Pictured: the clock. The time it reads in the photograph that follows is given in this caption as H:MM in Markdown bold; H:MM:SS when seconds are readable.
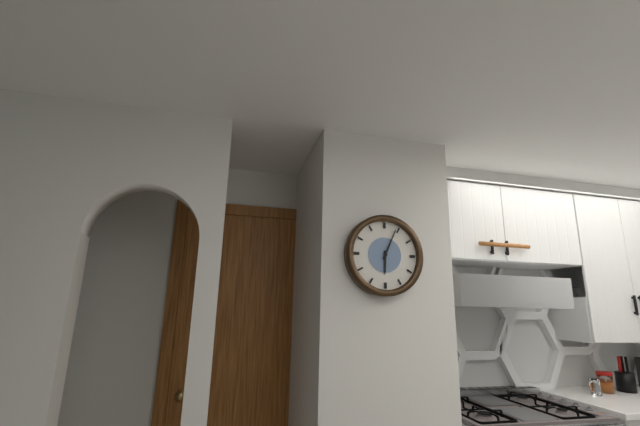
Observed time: **6:04**
